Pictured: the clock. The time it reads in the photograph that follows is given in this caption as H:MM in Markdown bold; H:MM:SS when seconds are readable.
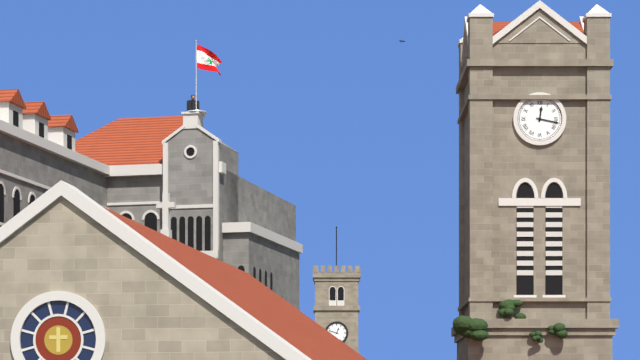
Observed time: **12:17**
